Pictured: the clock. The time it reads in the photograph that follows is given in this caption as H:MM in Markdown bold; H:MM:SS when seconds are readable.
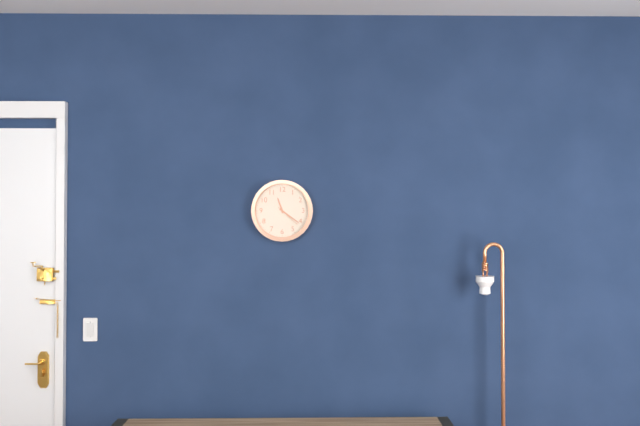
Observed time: **11:21**
